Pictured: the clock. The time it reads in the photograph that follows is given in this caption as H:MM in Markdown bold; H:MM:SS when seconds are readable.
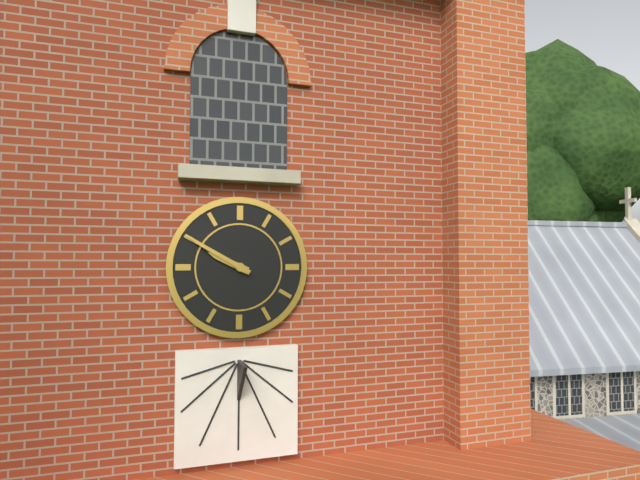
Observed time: **9:50**
